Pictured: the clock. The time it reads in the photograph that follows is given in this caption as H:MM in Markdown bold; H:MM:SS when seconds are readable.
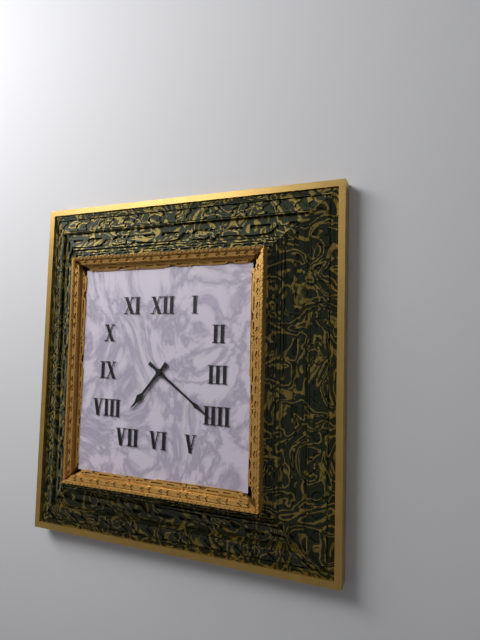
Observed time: **7:21**
